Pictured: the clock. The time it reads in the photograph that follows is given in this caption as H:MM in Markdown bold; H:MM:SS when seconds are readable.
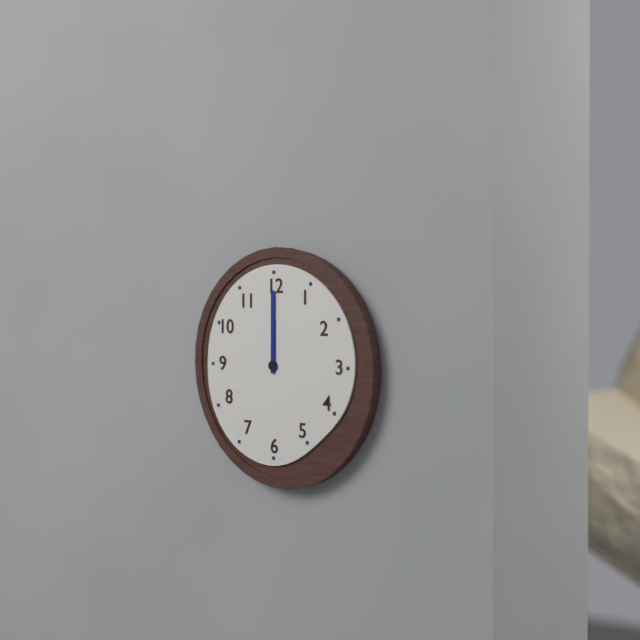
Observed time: **12:00**
